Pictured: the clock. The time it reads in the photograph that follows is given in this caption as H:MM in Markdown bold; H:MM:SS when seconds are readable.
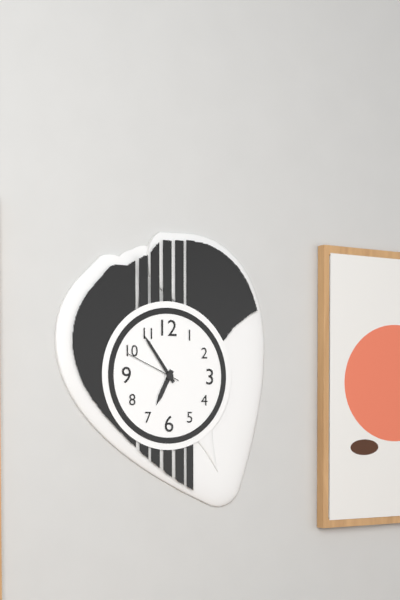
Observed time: **6:54:49**
